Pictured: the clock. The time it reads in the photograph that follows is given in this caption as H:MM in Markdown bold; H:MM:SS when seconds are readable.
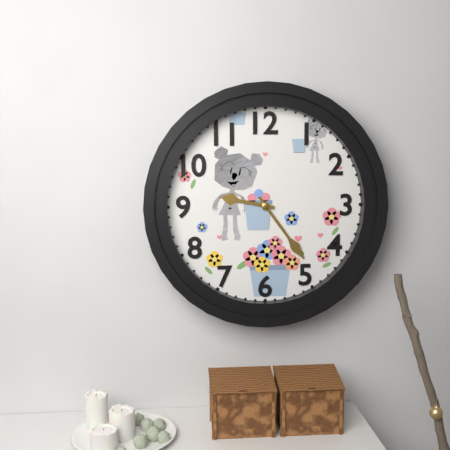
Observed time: **9:24**
